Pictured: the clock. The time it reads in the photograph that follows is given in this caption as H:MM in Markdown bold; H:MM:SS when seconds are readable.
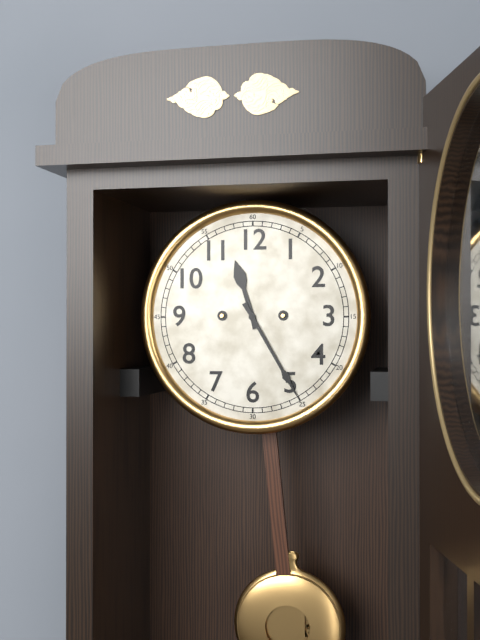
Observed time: **11:25**
